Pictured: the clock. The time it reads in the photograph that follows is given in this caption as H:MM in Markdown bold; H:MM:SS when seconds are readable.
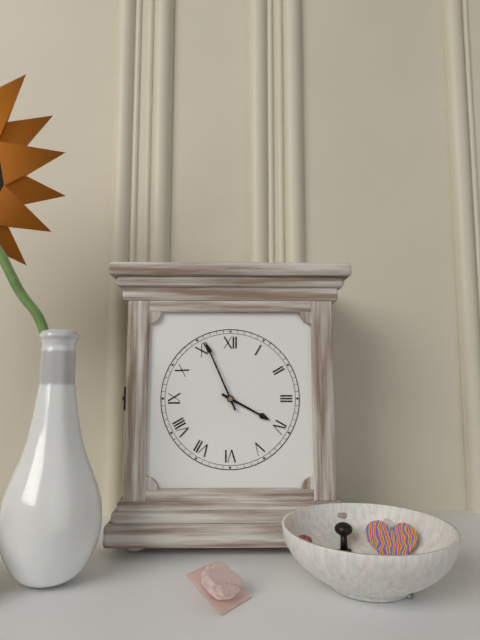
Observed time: **3:56**
